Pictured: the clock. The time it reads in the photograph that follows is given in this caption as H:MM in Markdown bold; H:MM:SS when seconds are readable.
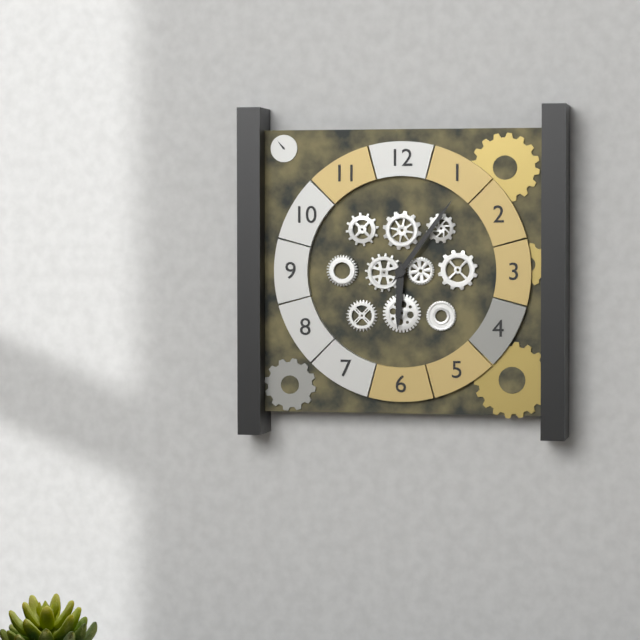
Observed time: **6:06**
